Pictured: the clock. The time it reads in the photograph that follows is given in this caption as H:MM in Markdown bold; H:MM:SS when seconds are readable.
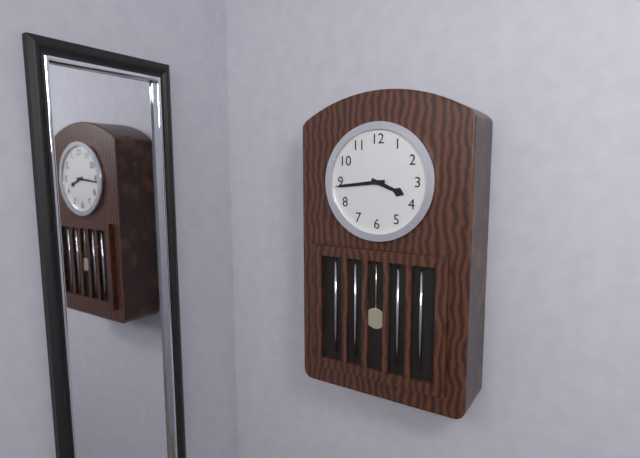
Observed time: **3:44**
